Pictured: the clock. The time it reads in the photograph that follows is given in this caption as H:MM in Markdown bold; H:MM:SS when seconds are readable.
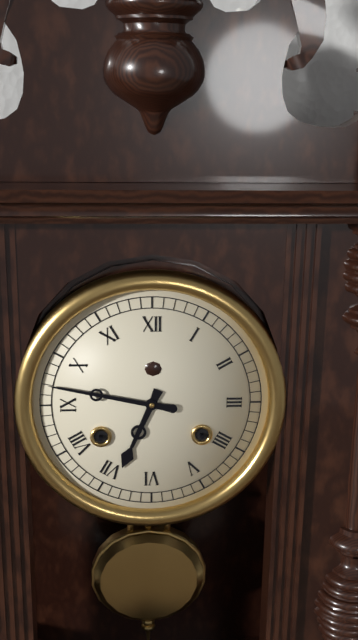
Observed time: **6:47**
